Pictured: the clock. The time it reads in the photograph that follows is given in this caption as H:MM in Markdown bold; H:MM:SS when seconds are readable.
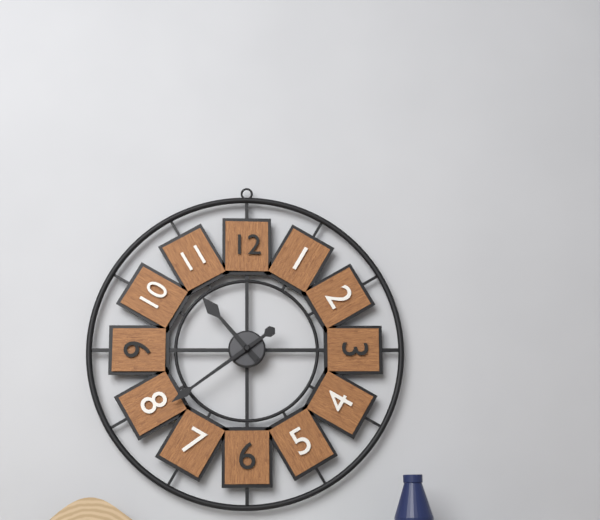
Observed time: **10:39**
